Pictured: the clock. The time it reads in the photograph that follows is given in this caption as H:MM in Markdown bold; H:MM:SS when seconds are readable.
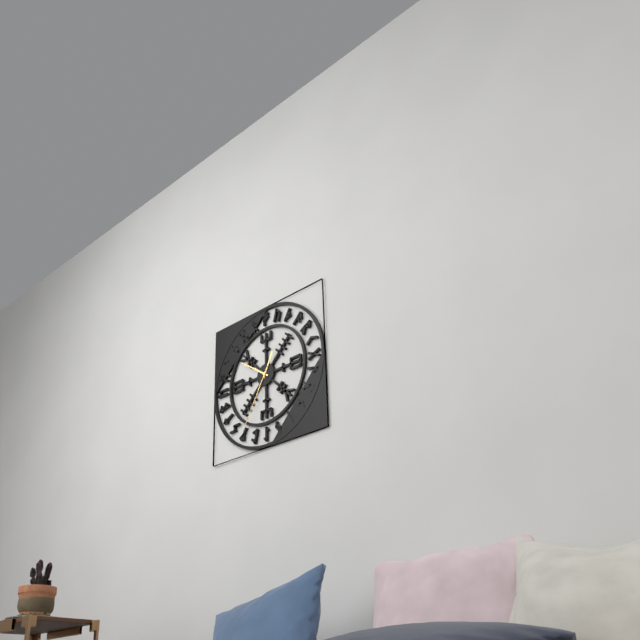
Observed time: **12:51:35**
